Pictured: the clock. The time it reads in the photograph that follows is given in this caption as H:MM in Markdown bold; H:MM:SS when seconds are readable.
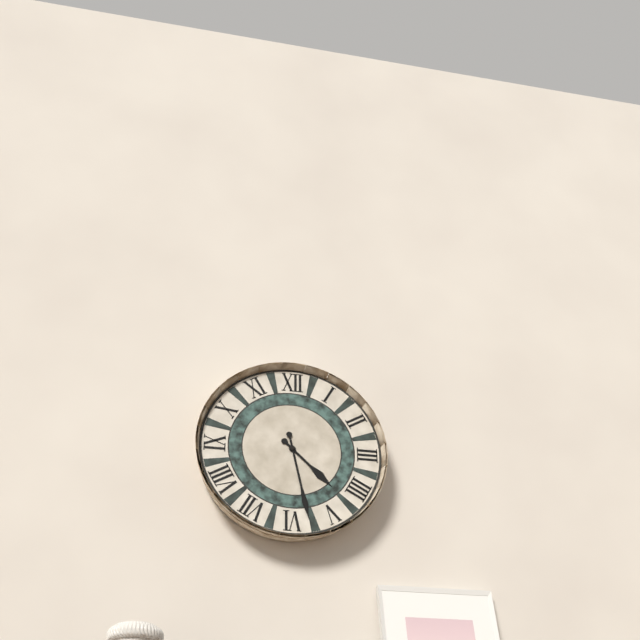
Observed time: **4:28**
